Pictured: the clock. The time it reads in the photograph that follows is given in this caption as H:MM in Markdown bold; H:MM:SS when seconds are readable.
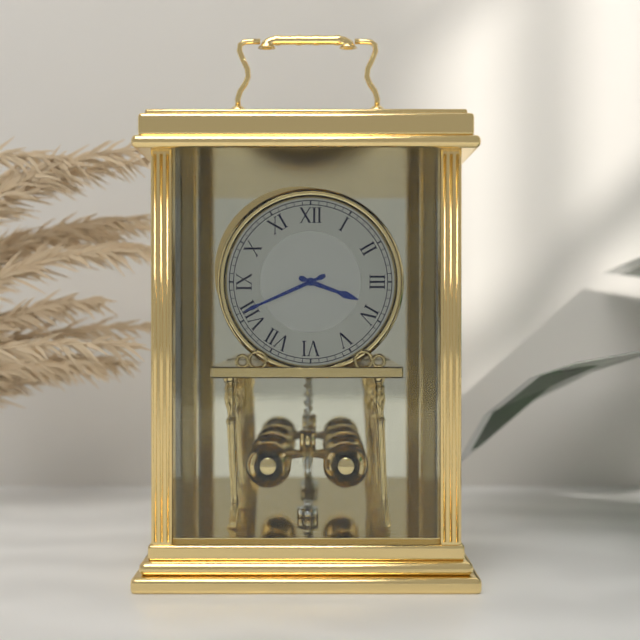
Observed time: **3:41**
